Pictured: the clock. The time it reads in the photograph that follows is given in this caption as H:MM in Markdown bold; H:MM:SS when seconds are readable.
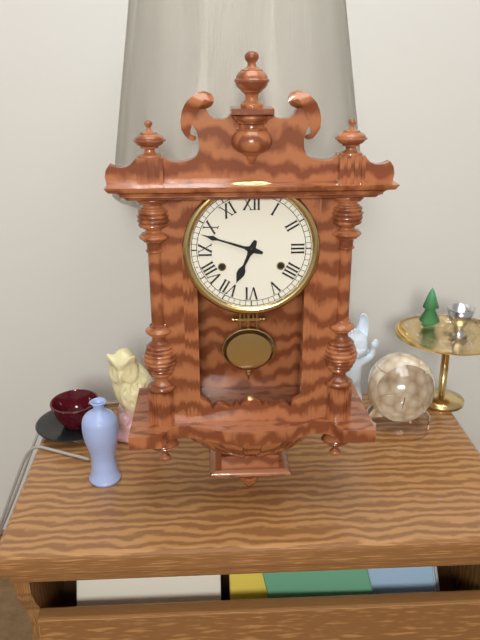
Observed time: **6:48**
